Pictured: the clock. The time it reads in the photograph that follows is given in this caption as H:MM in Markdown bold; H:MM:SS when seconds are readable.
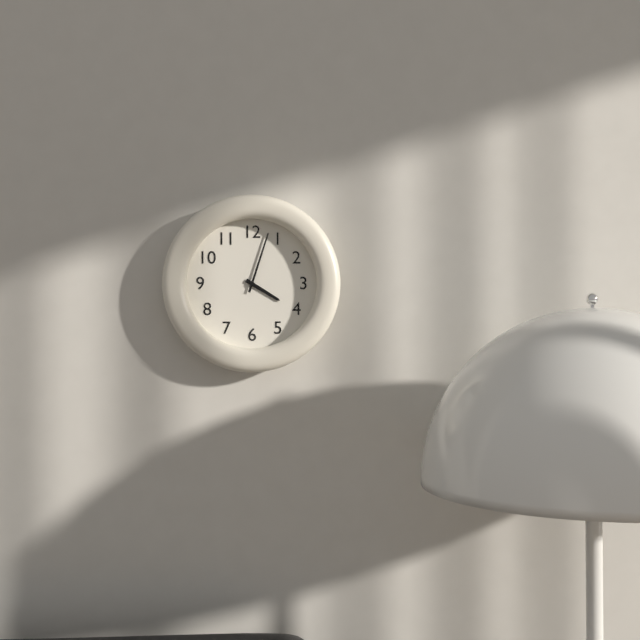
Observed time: **4:03**
